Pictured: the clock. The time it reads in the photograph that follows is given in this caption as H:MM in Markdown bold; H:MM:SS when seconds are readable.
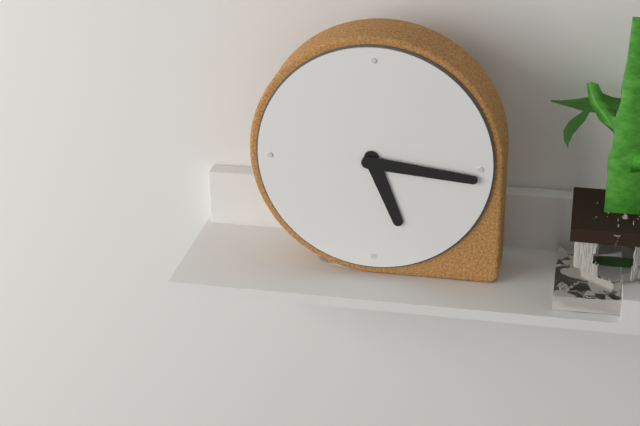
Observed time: **5:16**
